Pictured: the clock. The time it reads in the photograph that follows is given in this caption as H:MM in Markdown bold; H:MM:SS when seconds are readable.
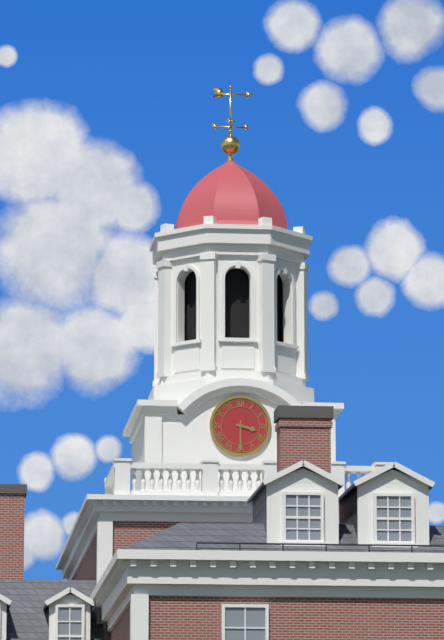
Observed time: **3:30**
